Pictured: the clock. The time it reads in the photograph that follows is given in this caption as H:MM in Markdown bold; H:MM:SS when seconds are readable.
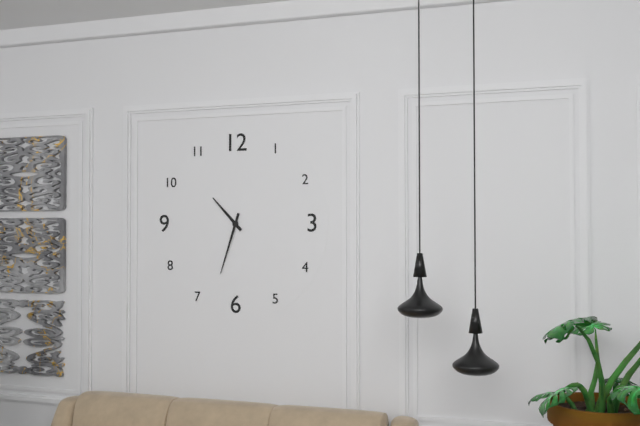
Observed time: **10:33**
